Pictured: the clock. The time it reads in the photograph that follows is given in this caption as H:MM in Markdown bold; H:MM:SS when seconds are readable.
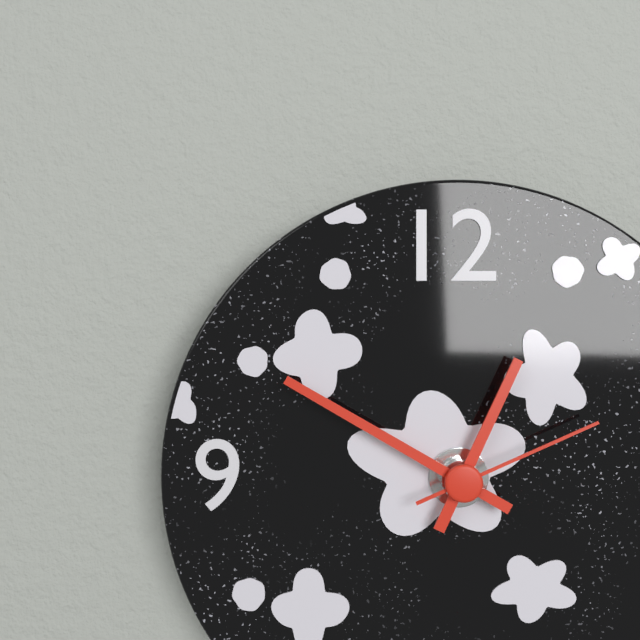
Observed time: **12:50:11**
